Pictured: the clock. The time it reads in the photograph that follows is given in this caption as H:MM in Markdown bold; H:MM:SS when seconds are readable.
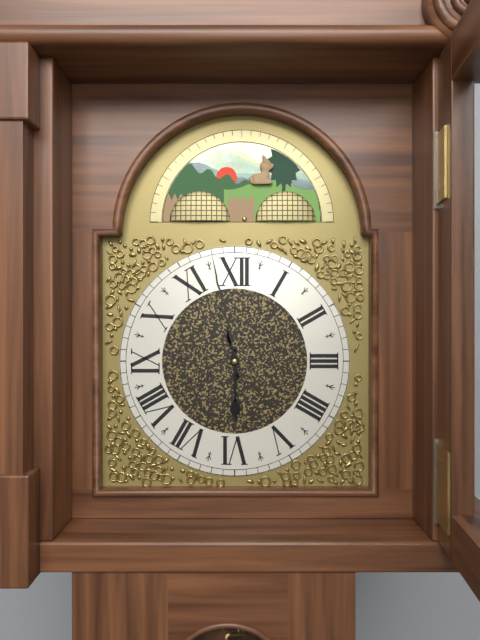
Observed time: **5:58**
